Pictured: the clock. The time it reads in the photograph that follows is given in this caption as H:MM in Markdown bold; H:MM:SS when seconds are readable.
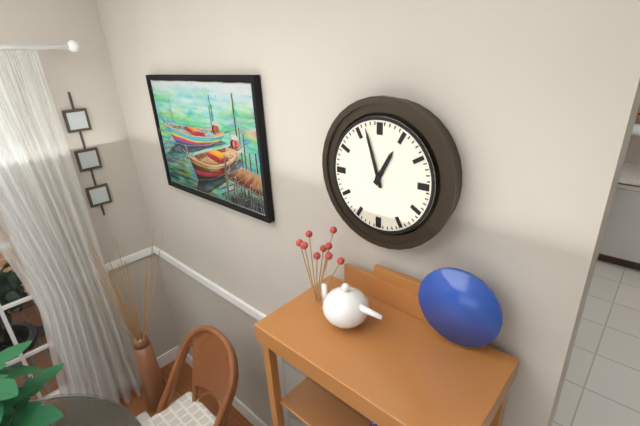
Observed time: **12:57**
